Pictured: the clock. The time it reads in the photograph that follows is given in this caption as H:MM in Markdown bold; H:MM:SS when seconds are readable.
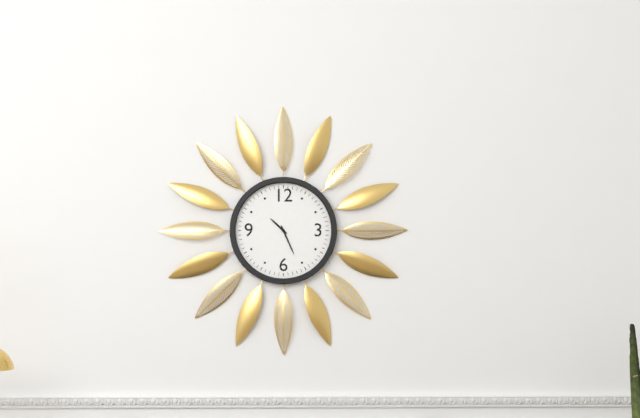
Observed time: **10:26**
